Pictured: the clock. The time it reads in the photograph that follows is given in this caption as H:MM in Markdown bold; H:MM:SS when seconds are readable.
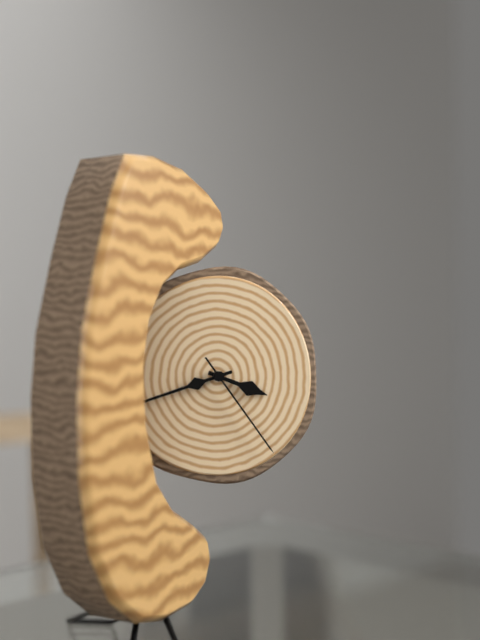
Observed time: **3:42:24**
